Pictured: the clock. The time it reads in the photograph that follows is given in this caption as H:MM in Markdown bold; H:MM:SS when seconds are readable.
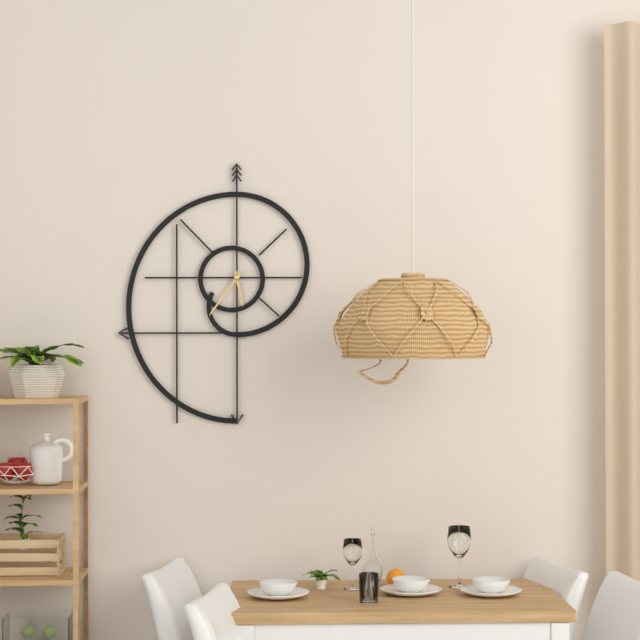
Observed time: **5:36**
